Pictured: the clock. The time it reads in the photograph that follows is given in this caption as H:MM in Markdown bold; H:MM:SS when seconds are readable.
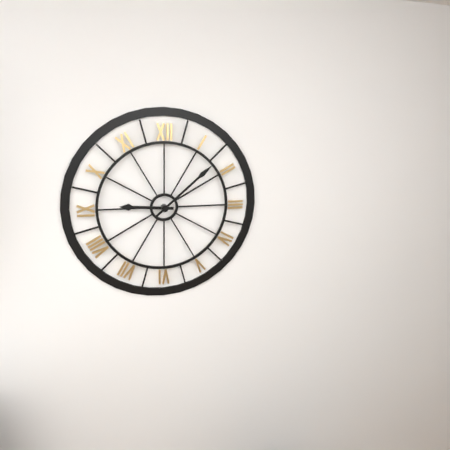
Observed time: **9:08**
